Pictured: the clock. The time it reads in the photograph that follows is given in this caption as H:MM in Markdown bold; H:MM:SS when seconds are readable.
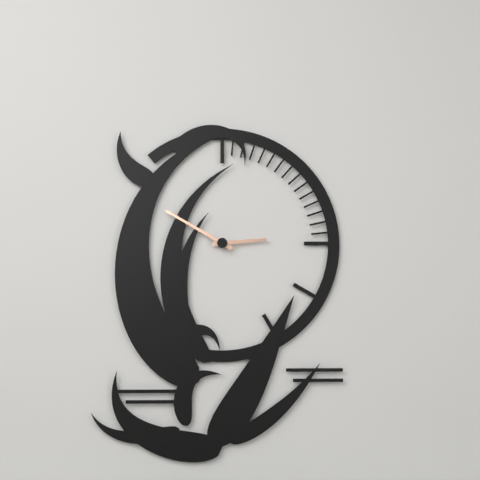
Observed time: **2:50**
